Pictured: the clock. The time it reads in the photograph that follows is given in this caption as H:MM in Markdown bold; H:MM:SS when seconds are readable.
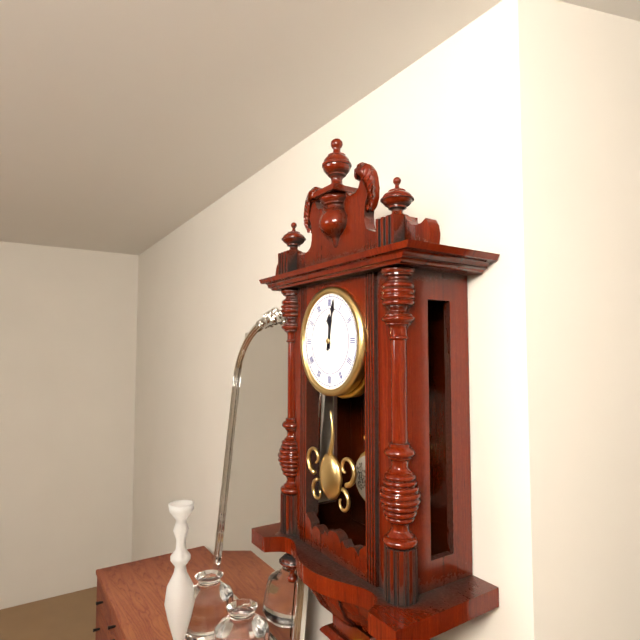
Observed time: **12:02**
